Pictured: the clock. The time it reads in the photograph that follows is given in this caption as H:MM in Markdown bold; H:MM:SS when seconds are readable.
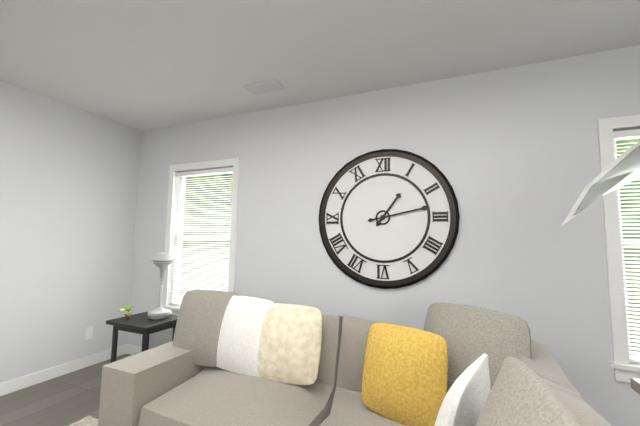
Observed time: **1:13**
